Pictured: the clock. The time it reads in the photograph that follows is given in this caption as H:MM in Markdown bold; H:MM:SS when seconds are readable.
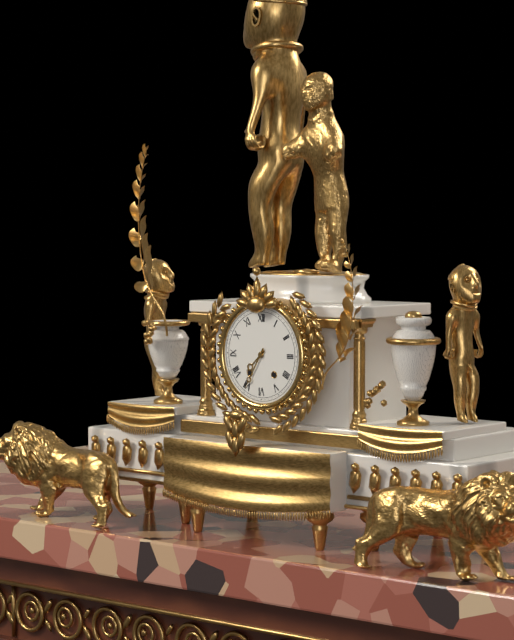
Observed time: **7:35**
